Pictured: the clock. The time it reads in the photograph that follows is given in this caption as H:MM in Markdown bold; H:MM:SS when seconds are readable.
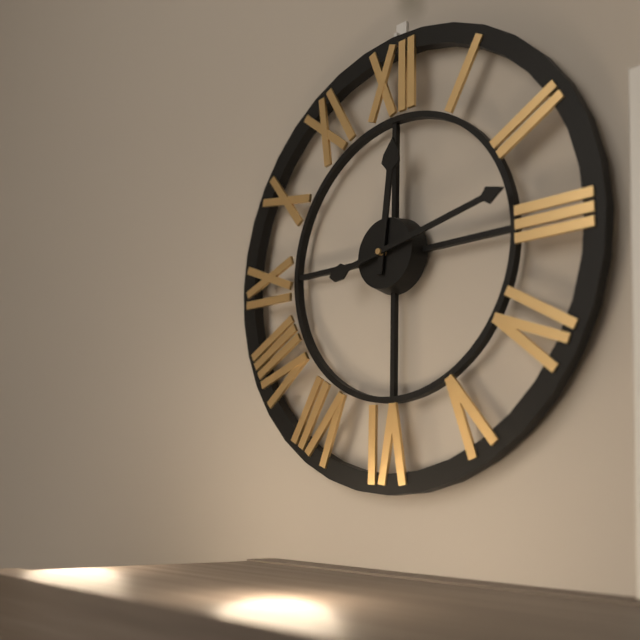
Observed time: **12:13**
